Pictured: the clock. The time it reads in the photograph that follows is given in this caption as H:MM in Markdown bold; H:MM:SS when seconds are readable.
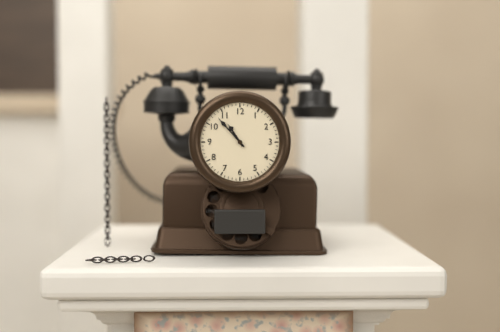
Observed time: **10:53**
